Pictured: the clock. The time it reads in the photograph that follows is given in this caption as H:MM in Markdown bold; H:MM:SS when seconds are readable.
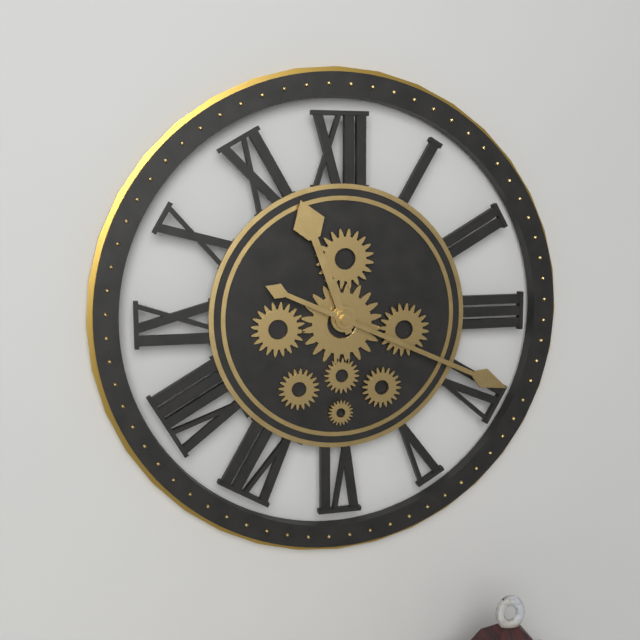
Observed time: **11:19**
